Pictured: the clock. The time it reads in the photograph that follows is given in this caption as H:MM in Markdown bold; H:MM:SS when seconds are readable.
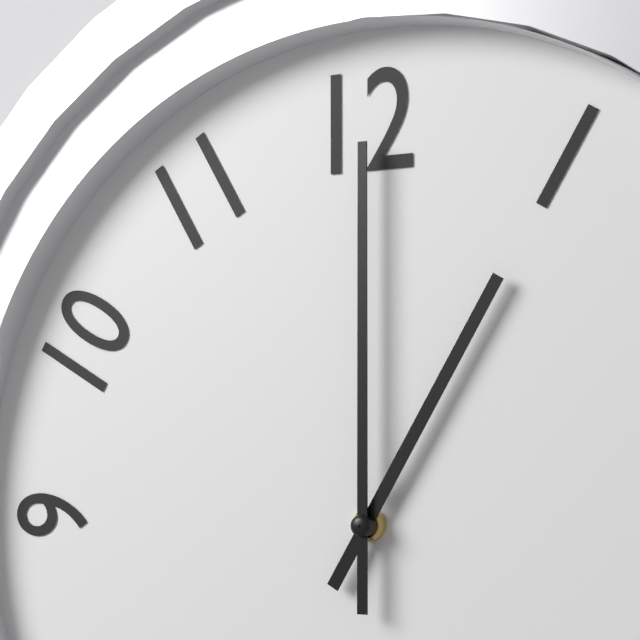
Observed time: **1:00**
